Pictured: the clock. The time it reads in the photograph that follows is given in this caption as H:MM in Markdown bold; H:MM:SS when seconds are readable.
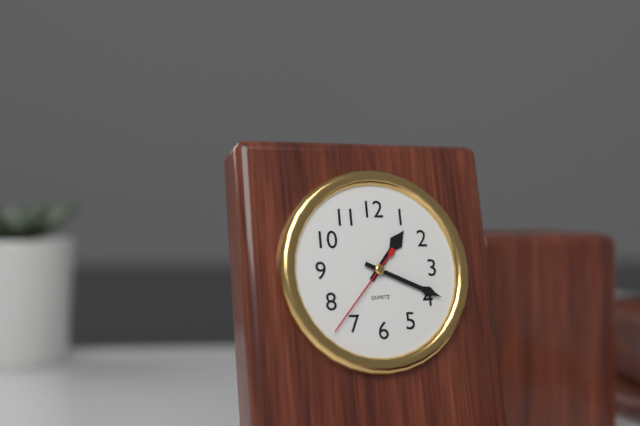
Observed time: **1:19:37**
